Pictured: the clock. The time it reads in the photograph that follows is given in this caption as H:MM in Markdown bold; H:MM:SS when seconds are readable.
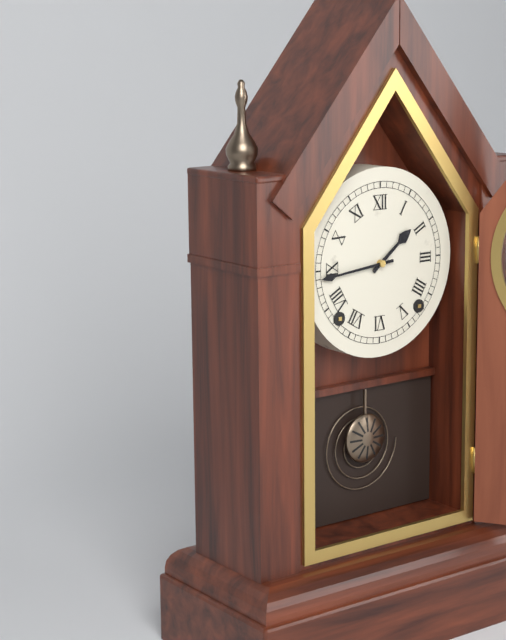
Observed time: **1:44**
